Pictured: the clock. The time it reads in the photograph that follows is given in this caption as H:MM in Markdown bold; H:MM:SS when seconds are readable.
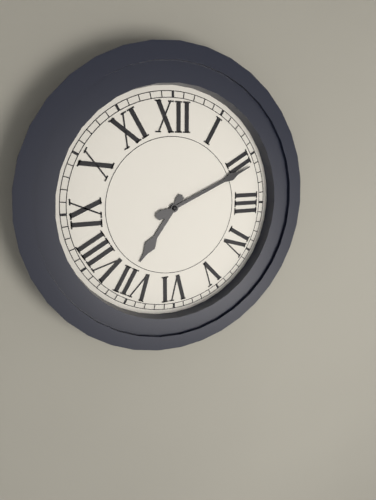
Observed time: **7:11**
